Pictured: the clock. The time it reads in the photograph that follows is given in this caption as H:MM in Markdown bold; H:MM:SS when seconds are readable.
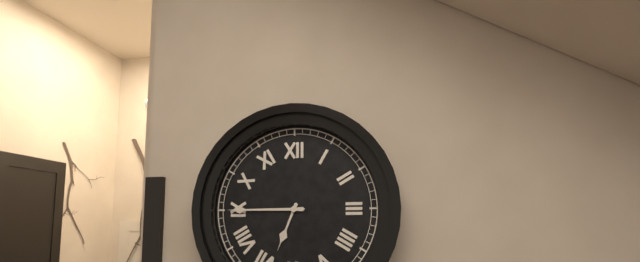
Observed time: **6:45**
